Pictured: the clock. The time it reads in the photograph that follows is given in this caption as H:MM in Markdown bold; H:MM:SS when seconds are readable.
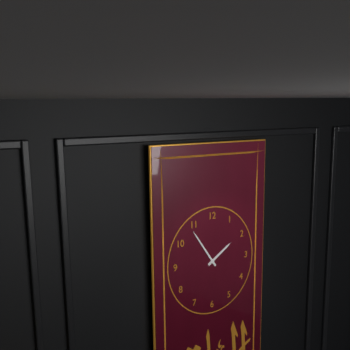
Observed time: **1:54**
